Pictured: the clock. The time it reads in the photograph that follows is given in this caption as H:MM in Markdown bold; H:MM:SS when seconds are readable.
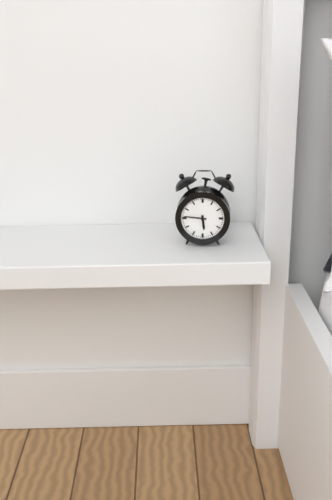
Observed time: **5:46**
